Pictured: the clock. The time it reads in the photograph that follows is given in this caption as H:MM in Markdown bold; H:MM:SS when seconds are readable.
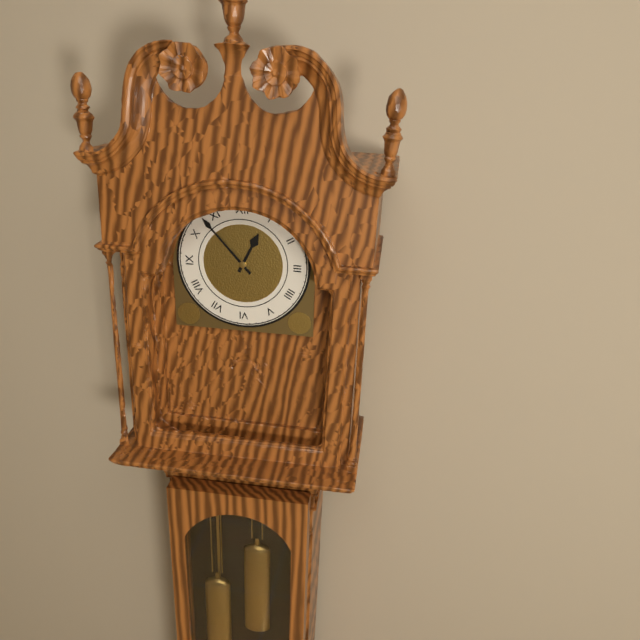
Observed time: **12:53**
